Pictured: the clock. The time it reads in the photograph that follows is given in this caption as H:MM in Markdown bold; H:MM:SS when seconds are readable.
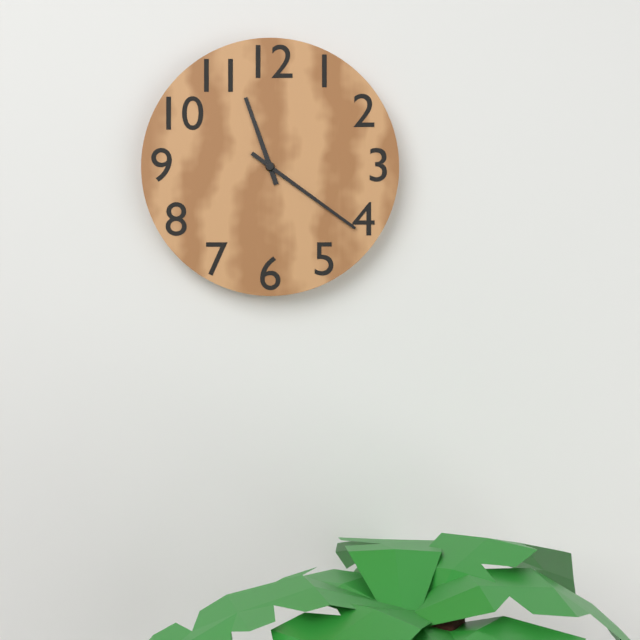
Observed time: **11:21**
